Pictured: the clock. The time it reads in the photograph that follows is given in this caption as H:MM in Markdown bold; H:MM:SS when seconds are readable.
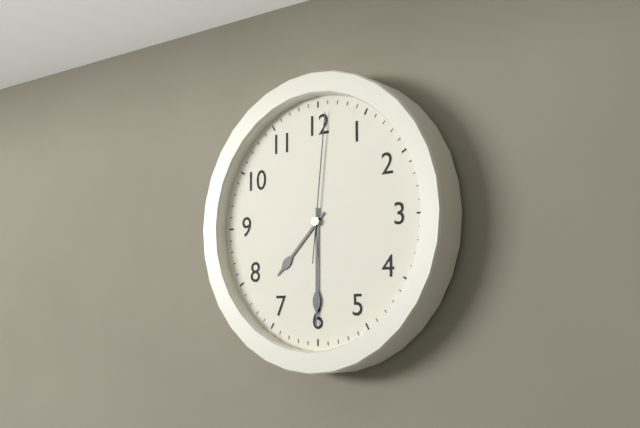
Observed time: **7:30:01**
